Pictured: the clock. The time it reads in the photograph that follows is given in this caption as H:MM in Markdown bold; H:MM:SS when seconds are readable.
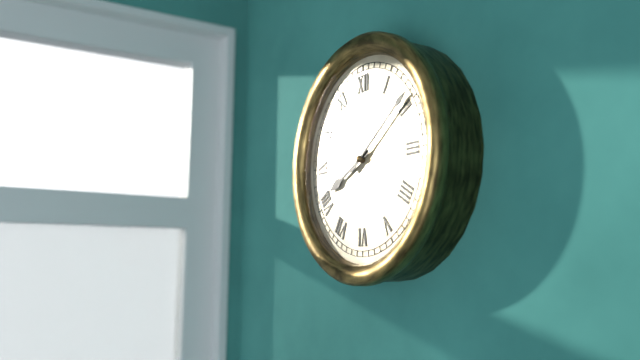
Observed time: **8:09**
